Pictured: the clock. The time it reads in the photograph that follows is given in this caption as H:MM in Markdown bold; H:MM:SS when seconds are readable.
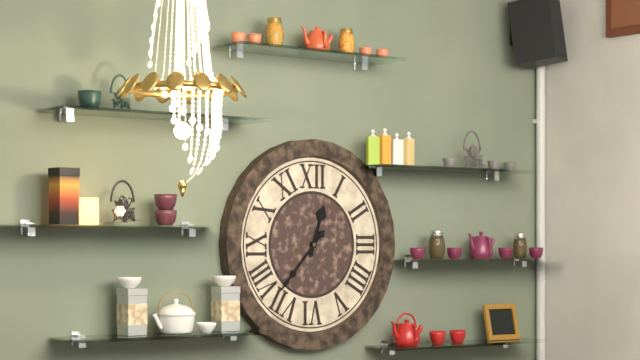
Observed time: **12:37**
